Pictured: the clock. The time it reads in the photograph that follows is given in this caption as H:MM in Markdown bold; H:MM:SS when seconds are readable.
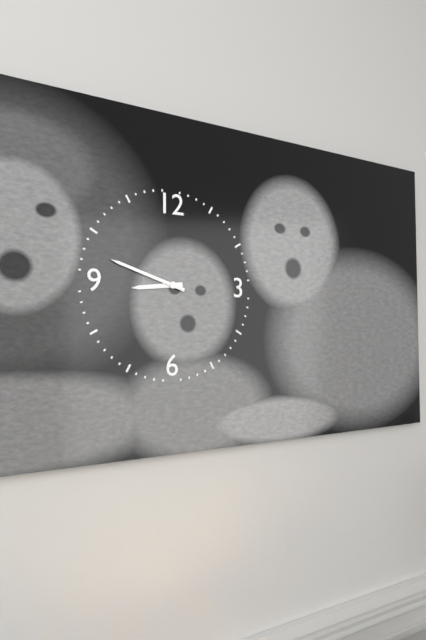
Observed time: **8:48**
